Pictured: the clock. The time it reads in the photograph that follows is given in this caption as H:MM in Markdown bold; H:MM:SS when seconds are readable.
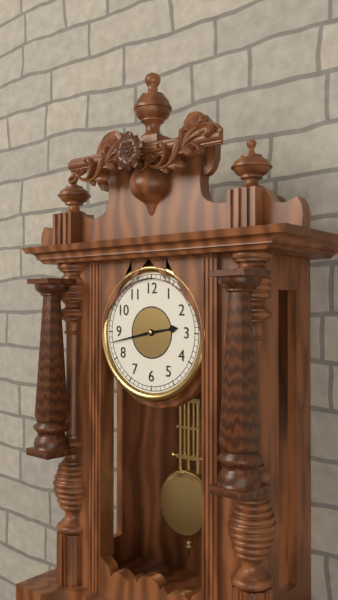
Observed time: **2:43**
